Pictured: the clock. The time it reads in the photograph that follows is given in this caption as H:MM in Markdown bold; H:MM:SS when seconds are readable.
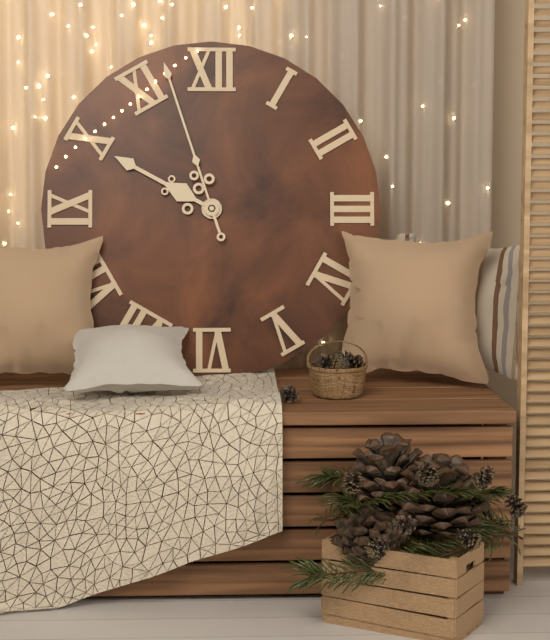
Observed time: **9:57**
